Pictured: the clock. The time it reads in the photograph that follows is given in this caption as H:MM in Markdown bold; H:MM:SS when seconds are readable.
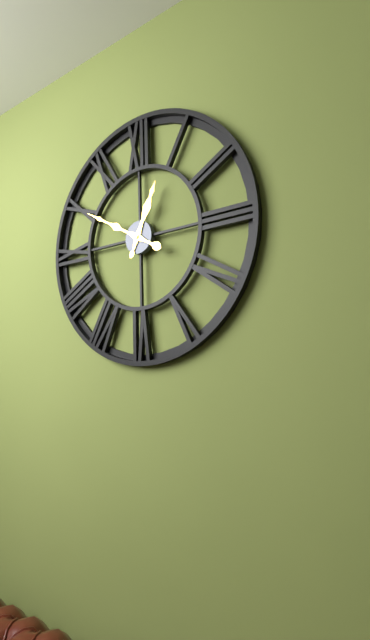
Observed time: **12:50**
